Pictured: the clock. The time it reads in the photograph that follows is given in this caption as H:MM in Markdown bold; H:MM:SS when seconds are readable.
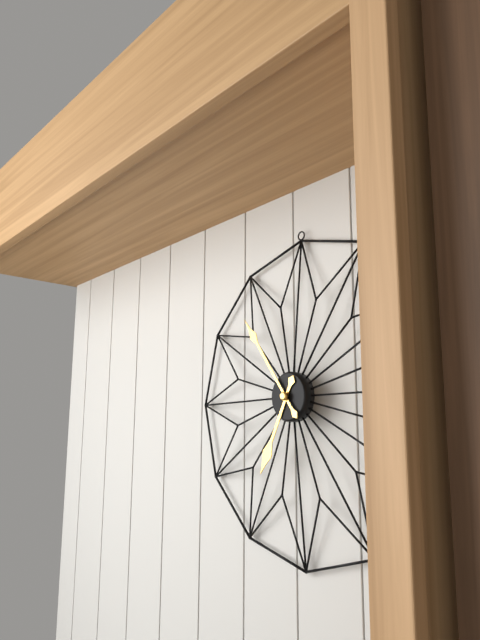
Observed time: **6:54**
